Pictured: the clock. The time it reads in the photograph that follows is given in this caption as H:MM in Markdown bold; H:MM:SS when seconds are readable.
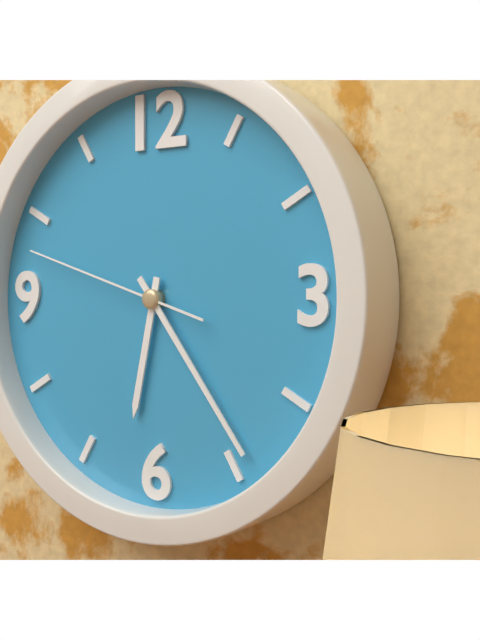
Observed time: **6:24:48**
